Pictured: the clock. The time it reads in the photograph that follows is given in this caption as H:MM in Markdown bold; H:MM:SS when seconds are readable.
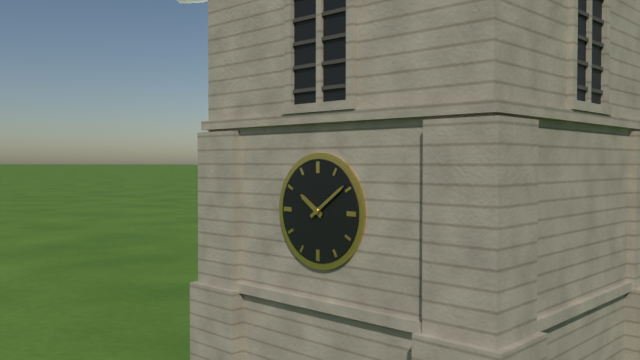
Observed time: **10:09**
